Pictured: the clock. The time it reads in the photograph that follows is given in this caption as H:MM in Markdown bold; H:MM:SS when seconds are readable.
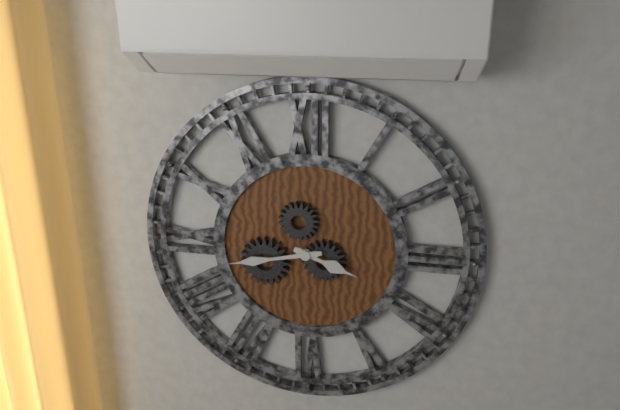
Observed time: **3:43**
